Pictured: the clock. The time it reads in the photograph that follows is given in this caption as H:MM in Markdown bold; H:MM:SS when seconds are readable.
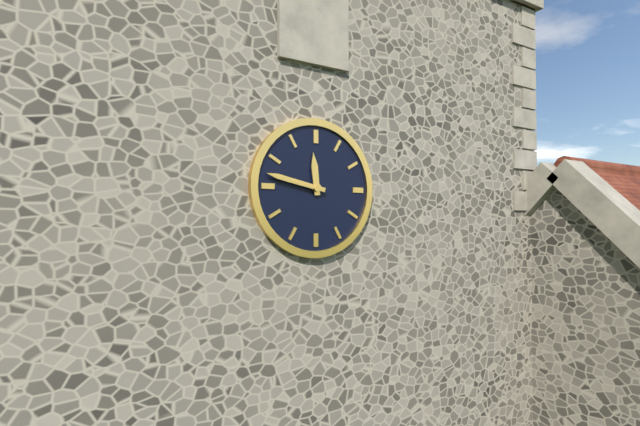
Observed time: **11:47**
